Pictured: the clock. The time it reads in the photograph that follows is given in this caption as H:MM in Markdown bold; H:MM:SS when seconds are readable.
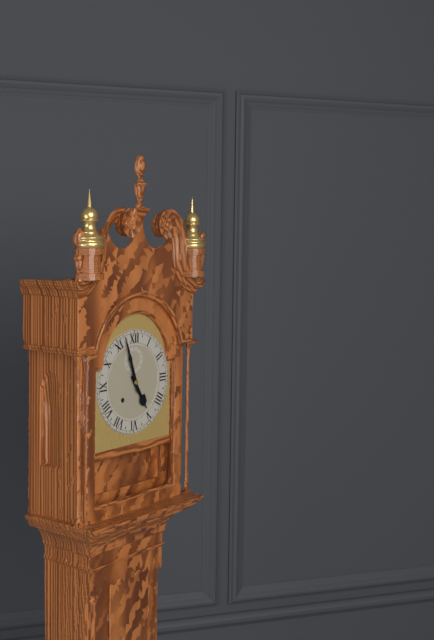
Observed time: **4:57**
